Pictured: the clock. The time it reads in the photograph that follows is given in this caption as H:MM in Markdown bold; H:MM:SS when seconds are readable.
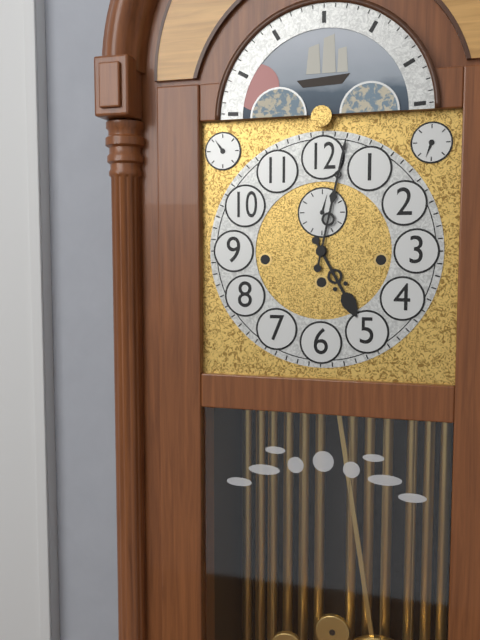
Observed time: **5:02**
